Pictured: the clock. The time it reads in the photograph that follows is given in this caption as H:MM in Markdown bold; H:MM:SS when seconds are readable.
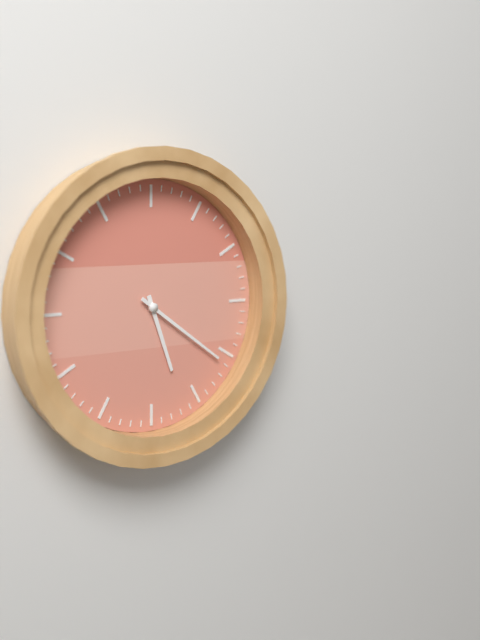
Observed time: **5:21**
